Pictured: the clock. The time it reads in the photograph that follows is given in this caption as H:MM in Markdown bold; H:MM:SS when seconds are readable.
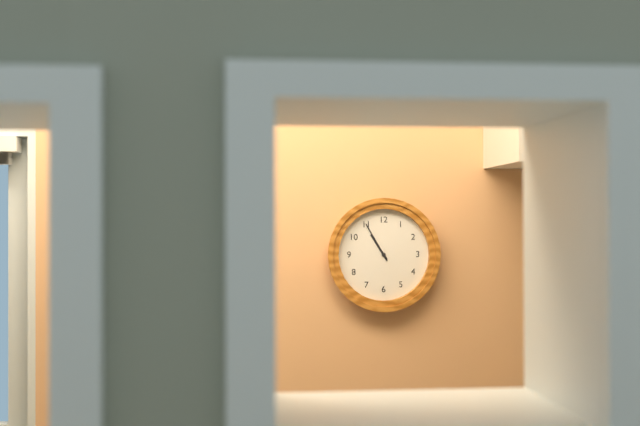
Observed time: **10:55**
